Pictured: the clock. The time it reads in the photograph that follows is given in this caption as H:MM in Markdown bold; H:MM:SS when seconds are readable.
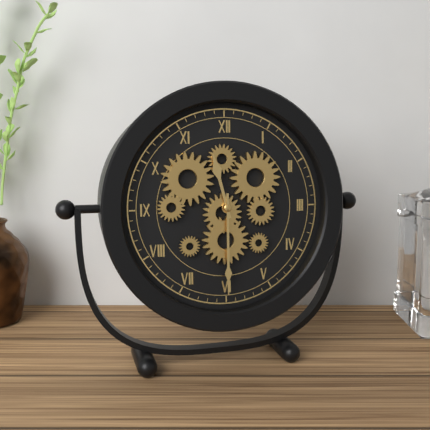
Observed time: **11:30**
